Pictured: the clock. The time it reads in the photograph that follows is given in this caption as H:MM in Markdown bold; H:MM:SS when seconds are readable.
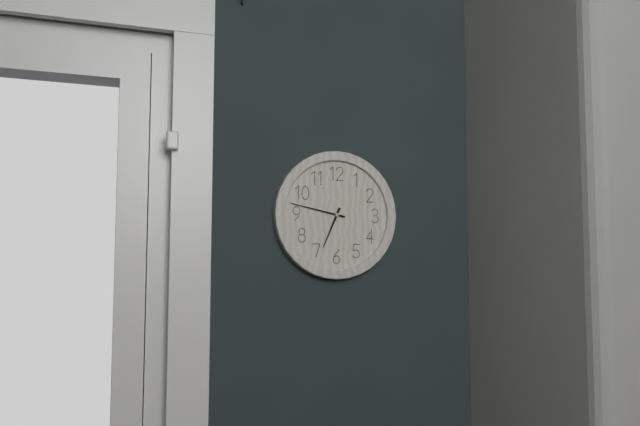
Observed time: **6:47**
